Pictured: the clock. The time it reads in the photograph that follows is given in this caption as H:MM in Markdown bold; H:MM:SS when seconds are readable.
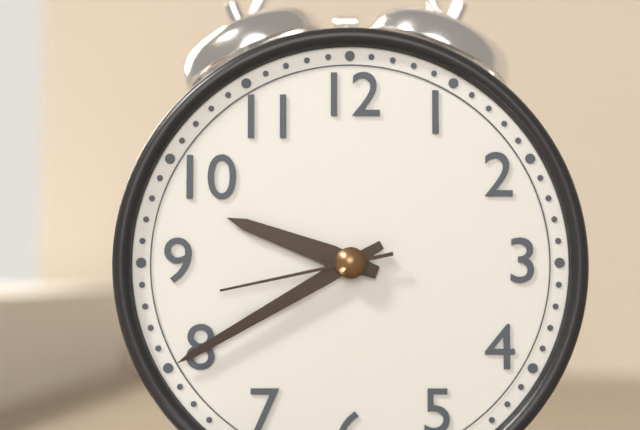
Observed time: **9:40:43**
